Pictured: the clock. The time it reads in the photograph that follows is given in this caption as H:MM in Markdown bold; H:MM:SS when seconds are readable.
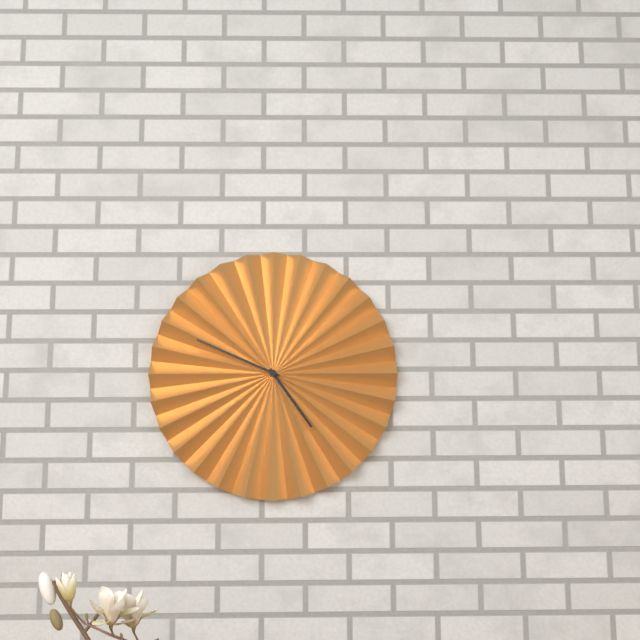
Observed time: **4:49**
